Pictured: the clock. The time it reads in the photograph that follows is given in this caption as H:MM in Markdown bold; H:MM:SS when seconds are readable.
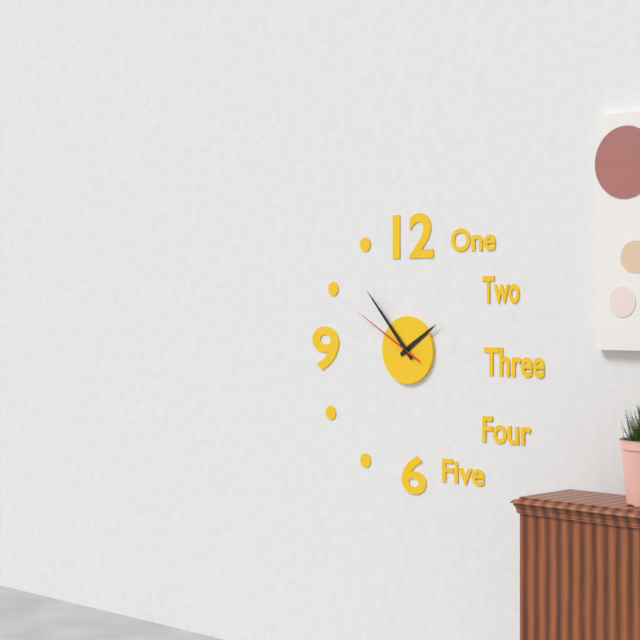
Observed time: **1:53:50**
